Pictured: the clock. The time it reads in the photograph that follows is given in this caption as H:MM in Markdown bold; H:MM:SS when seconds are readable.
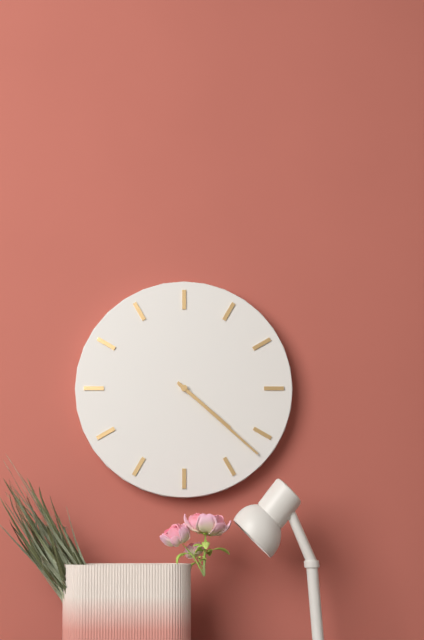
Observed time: **4:22**
